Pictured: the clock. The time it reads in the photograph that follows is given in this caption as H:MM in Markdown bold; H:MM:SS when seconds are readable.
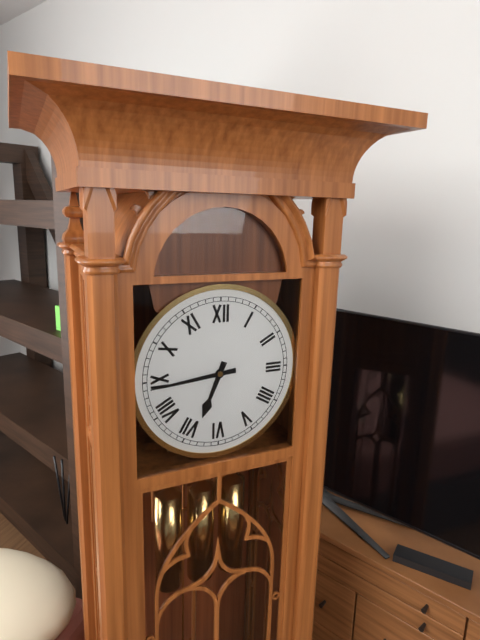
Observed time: **6:44**
